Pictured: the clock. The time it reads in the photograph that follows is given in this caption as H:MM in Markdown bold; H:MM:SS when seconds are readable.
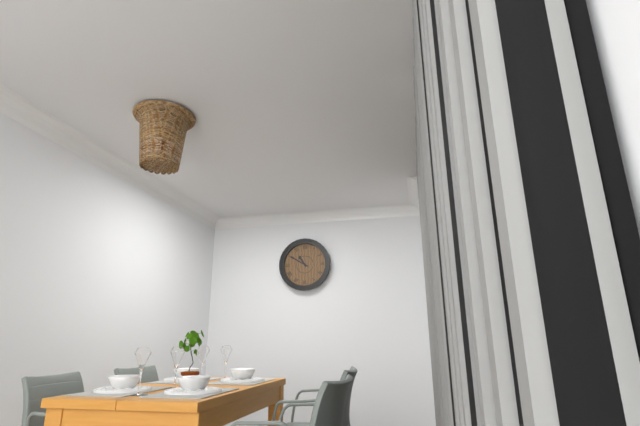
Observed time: **10:50**
